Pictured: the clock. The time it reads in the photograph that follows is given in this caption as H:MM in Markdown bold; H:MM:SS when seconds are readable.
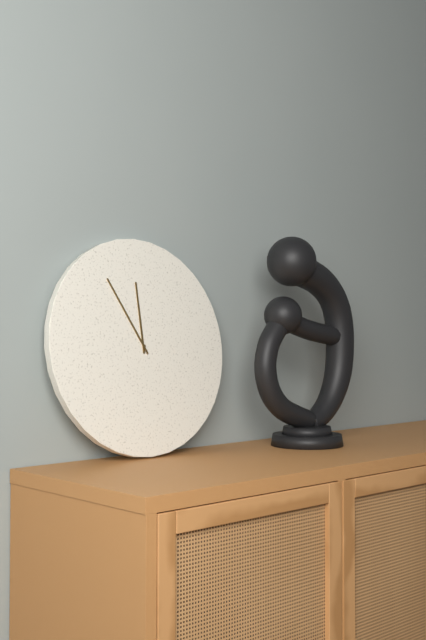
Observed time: **11:55**
